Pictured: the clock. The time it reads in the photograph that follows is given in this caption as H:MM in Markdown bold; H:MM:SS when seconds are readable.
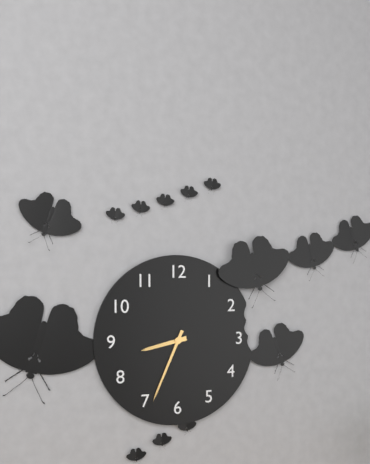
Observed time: **8:34**
